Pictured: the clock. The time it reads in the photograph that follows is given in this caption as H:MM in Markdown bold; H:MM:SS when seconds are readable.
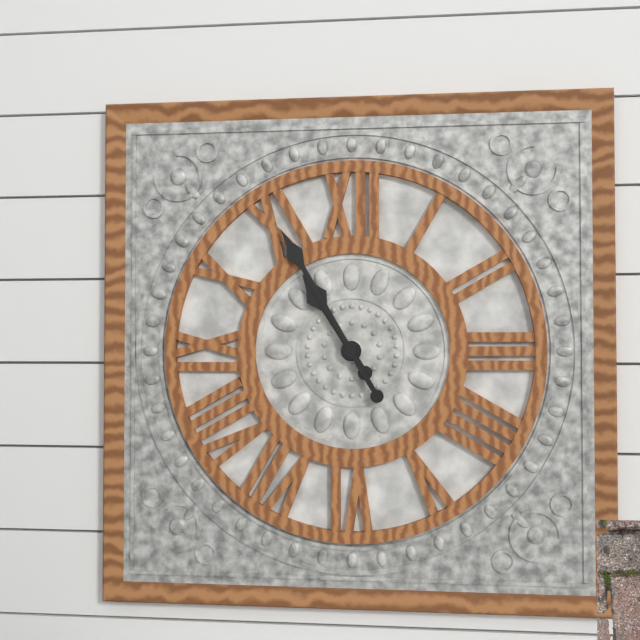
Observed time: **10:55**
